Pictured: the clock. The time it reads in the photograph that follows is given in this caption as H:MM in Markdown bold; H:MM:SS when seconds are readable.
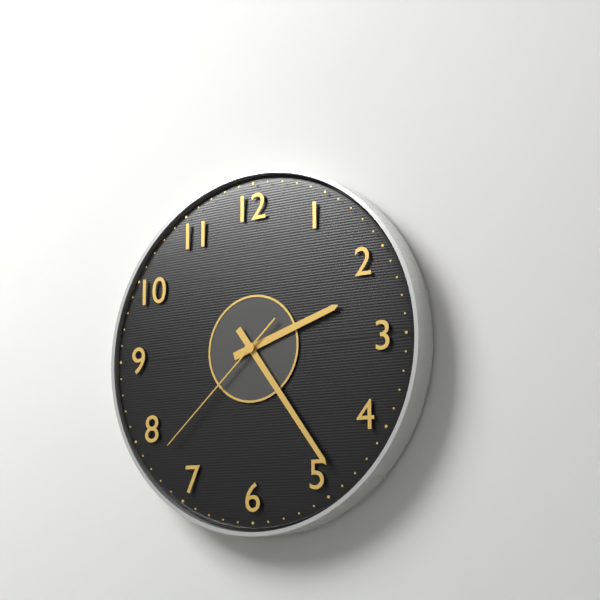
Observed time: **2:24:38**
